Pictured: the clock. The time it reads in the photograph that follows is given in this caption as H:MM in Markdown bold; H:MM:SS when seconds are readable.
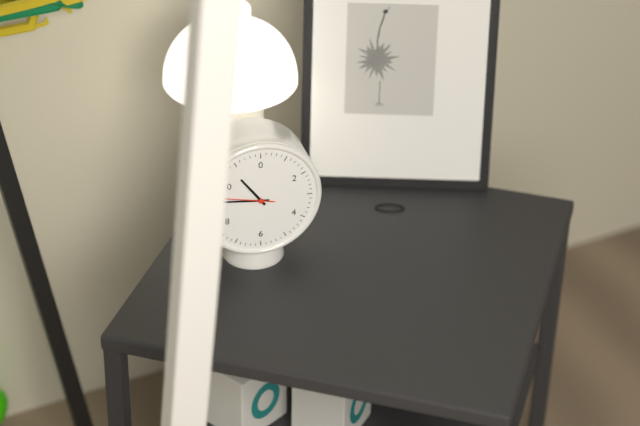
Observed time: **10:46:47**
